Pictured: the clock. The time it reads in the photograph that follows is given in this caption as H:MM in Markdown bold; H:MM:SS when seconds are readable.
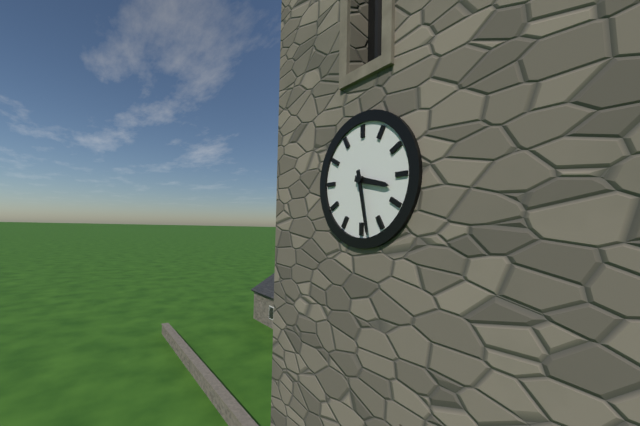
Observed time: **3:28**
